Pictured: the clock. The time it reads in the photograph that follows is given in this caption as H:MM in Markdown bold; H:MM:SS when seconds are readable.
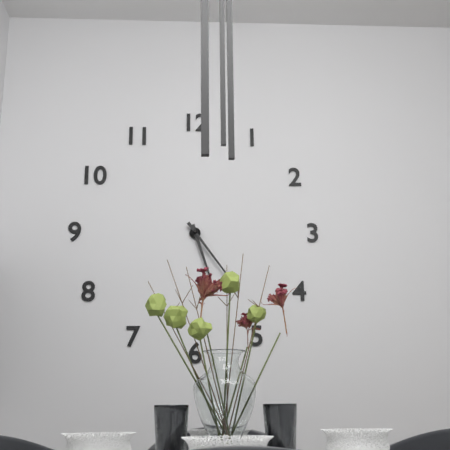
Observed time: **5:24**
